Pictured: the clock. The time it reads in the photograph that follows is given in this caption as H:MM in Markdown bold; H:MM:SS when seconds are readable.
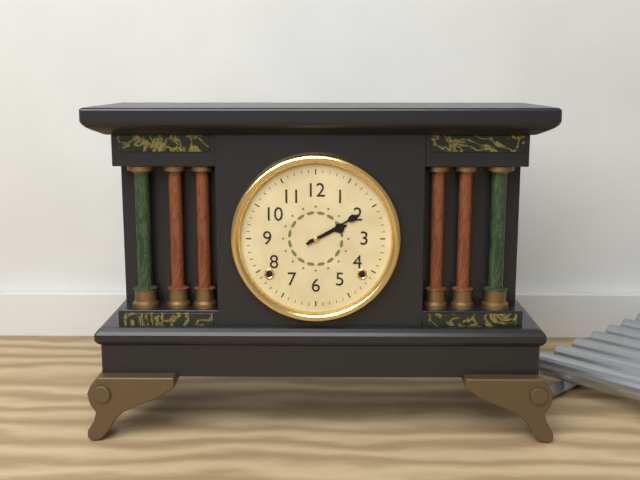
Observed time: **2:10**
